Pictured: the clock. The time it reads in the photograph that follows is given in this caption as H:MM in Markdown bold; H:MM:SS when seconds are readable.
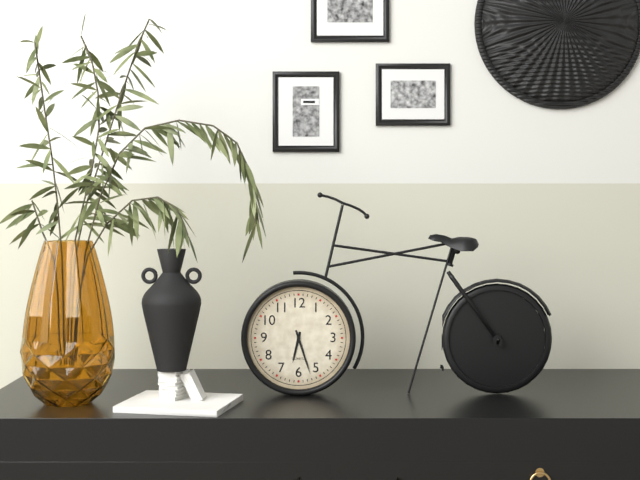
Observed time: **6:27**
